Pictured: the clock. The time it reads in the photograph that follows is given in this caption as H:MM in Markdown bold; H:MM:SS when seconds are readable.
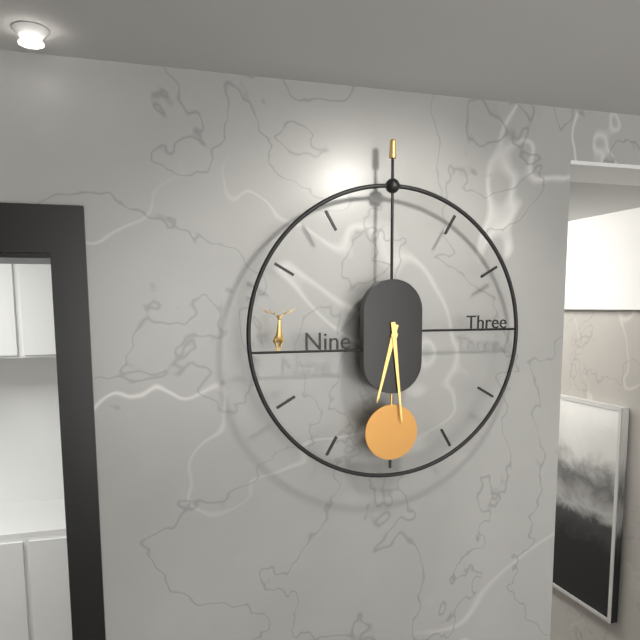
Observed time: **6:29**
